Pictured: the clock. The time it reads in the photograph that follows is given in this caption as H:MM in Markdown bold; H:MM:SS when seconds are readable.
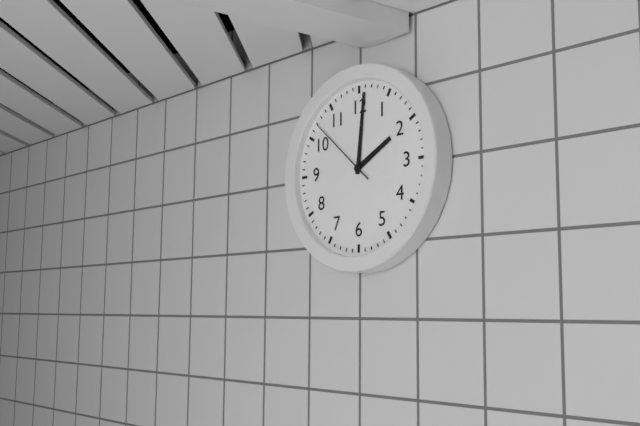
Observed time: **2:01:52**
